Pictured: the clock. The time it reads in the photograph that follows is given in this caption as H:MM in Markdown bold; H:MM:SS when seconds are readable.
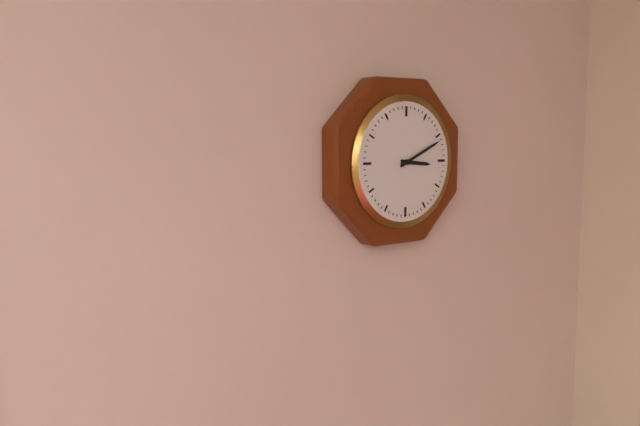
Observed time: **3:11**
